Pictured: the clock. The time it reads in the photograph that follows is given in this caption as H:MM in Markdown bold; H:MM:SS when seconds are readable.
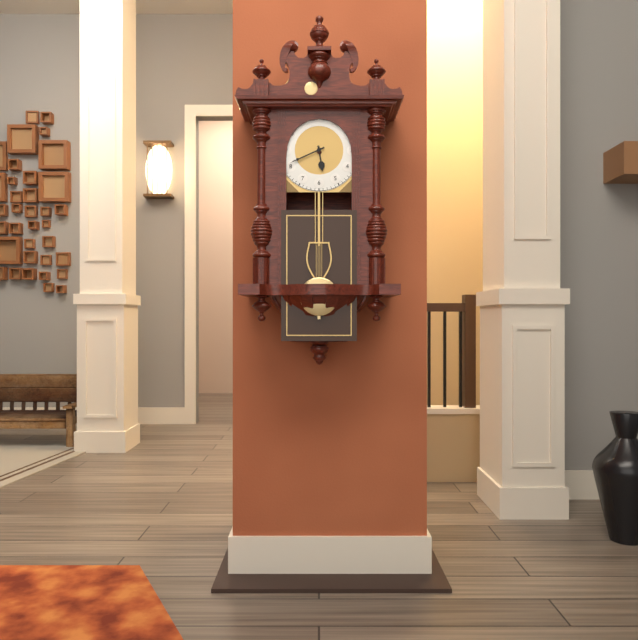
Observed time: **5:41**
